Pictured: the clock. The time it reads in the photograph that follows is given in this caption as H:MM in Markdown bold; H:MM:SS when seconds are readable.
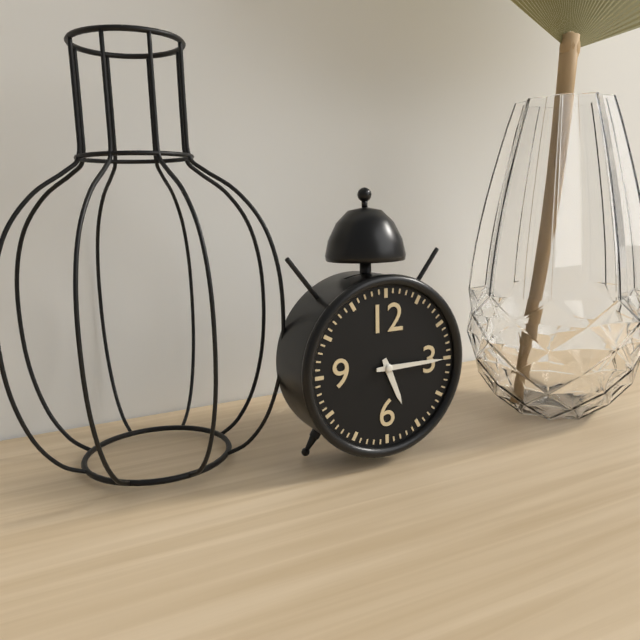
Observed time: **5:15**
